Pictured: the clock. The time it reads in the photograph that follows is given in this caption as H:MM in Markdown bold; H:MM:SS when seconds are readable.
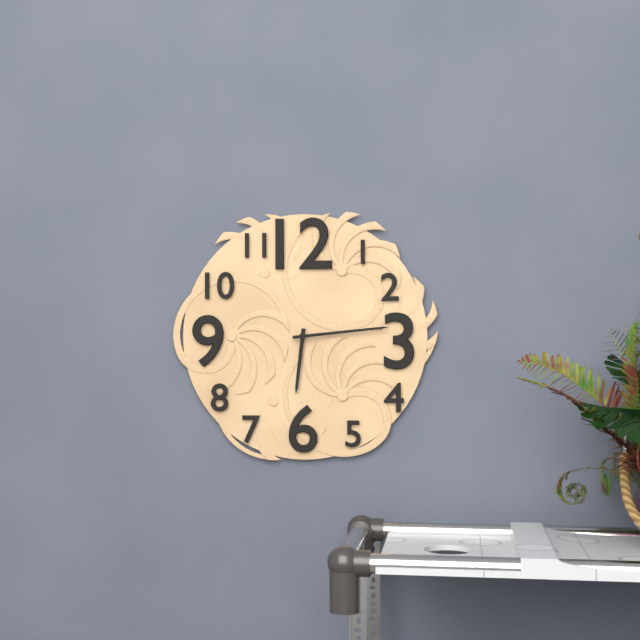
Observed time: **6:14**
